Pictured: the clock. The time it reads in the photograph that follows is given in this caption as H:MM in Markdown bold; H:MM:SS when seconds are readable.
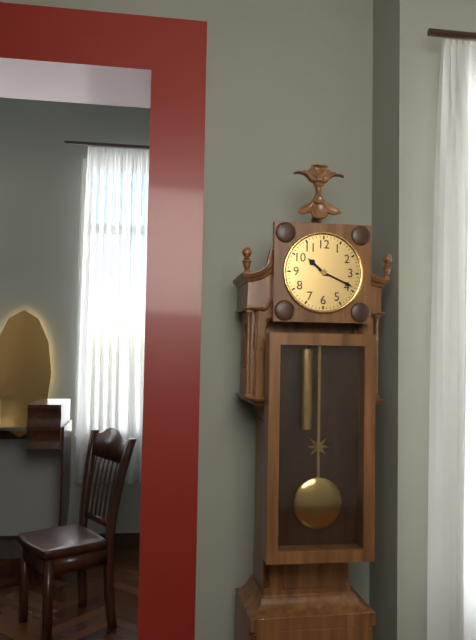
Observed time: **10:19**
